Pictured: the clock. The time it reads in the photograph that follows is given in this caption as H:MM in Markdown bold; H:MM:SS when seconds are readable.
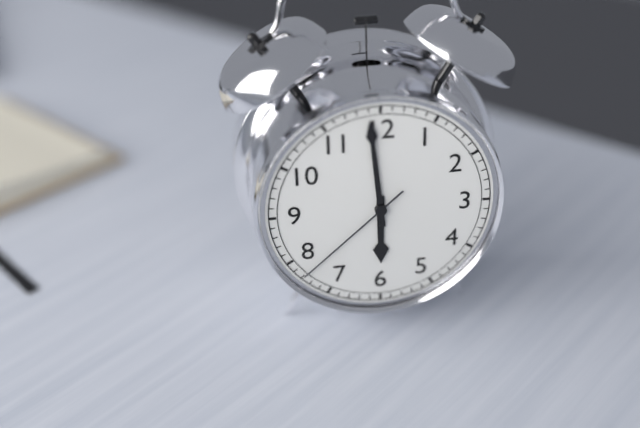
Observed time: **5:59:38**
